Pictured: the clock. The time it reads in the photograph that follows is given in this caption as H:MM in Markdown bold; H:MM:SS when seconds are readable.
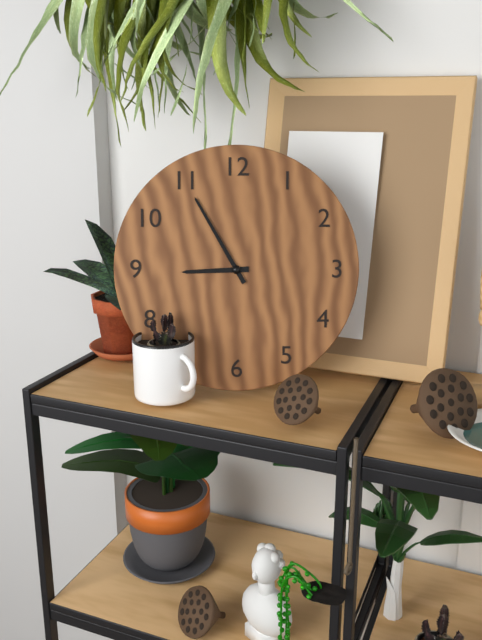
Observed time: **8:55**
